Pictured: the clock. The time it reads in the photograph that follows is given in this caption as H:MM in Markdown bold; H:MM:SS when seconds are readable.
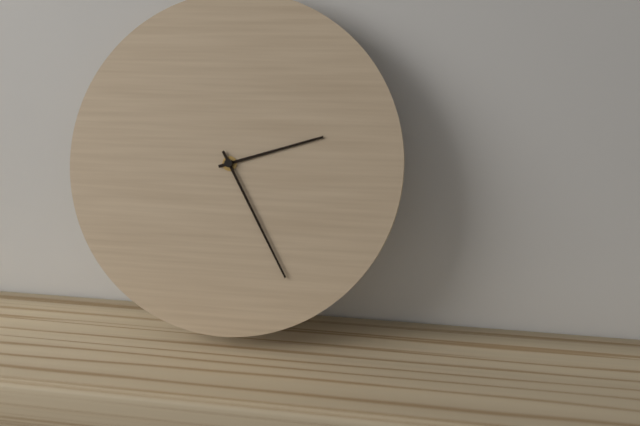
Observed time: **2:25**
